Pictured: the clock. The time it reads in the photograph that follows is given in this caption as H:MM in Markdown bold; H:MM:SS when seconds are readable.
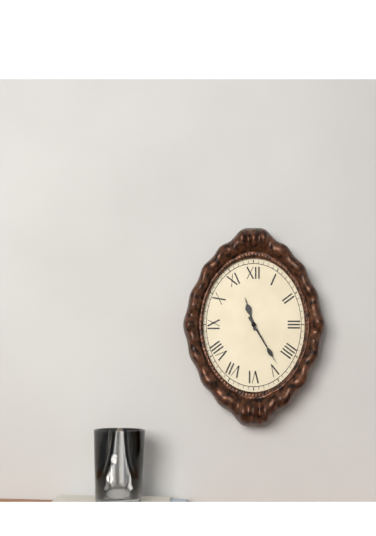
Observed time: **11:25**
